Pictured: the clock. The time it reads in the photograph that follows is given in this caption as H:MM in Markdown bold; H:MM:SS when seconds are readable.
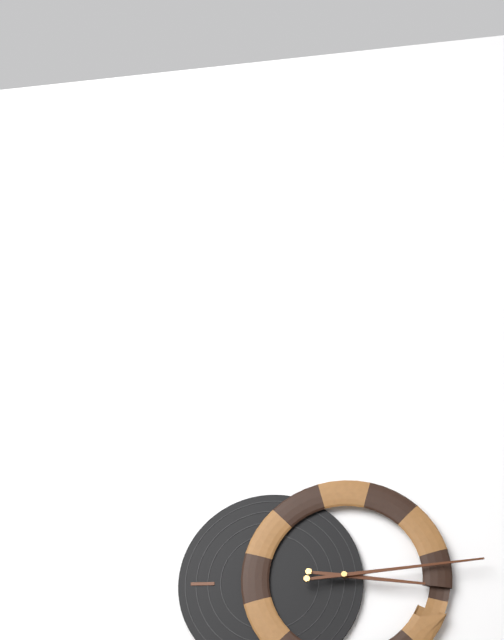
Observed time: **3:14**
